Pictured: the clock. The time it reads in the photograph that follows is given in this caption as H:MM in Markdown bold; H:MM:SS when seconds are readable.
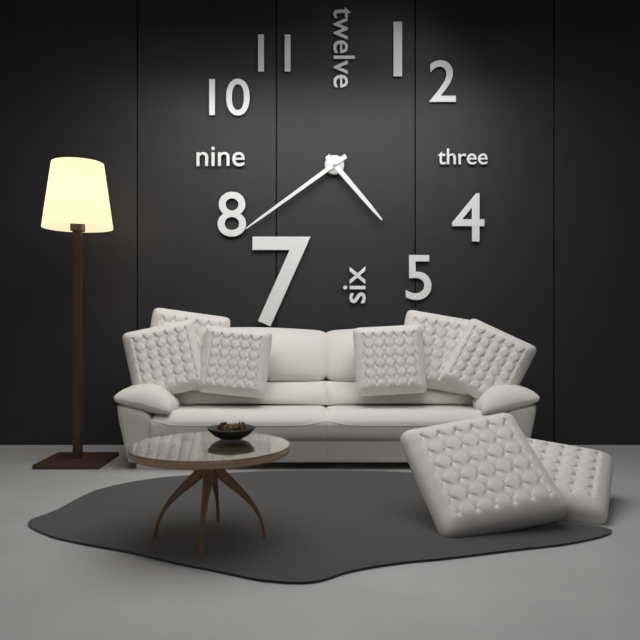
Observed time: **4:39**
